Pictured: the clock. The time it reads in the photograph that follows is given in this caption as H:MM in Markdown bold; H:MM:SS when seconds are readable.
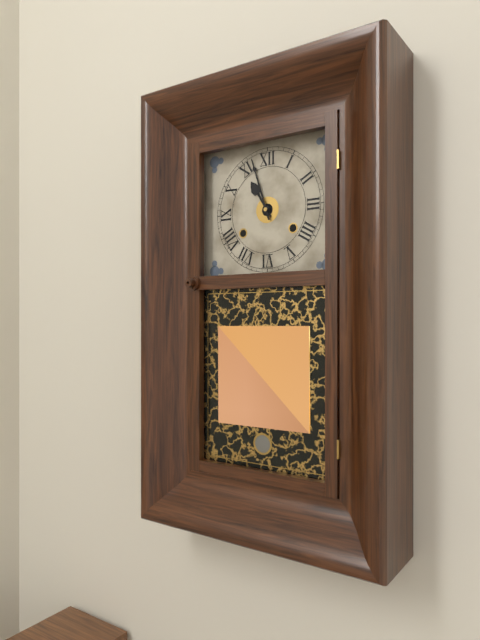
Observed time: **10:57**
